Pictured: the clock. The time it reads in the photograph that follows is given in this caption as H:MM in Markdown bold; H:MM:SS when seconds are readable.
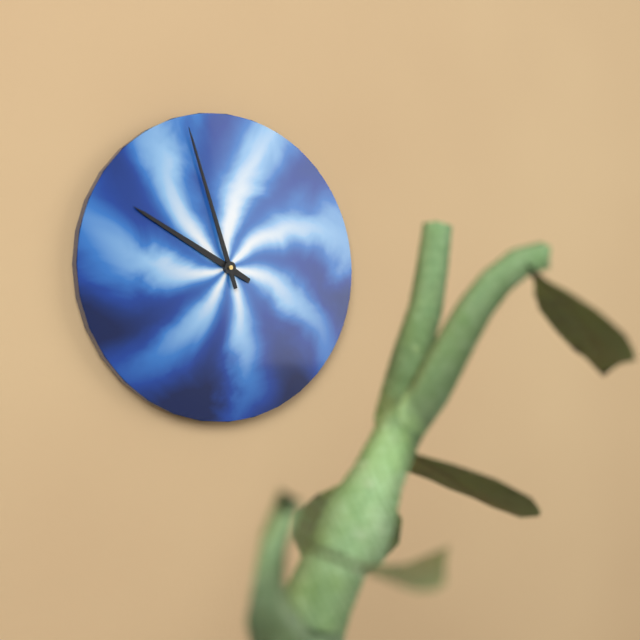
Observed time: **9:57**
